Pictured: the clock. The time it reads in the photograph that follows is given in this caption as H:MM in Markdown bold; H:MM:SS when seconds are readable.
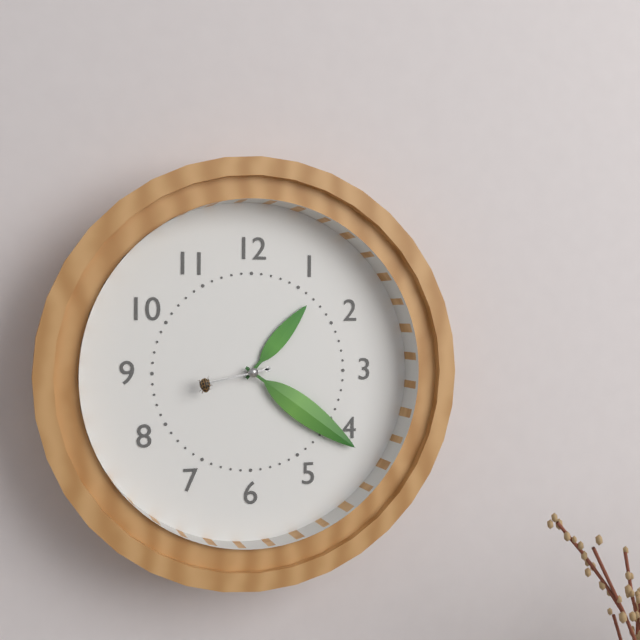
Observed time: **1:21:43**
